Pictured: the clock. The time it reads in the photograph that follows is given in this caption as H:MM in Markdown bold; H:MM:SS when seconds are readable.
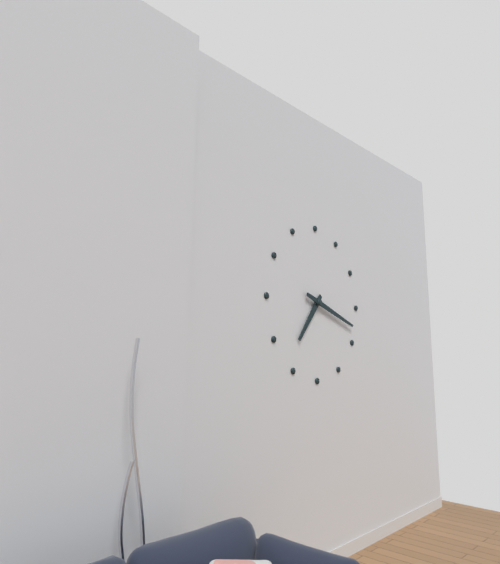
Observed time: **7:18**
